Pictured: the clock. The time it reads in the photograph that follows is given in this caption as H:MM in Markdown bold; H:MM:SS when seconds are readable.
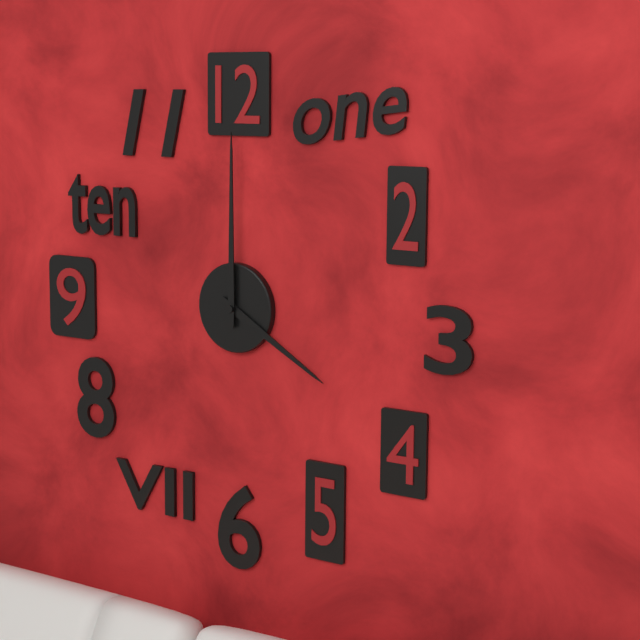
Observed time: **4:00**
